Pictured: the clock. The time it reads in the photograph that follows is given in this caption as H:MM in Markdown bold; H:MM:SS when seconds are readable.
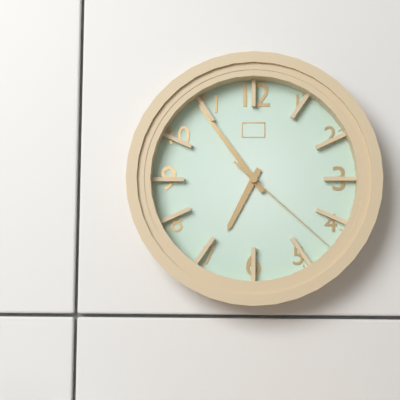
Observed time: **6:54:22**
